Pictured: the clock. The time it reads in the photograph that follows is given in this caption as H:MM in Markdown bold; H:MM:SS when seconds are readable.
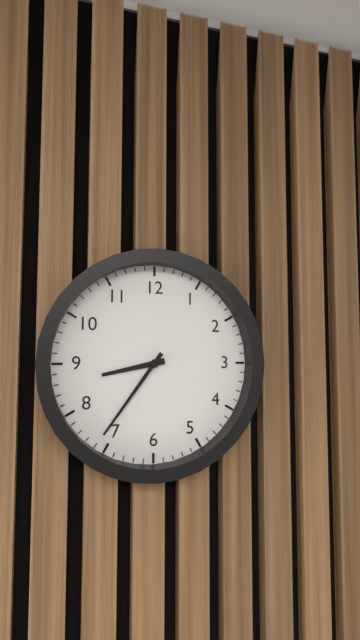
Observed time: **8:36**
